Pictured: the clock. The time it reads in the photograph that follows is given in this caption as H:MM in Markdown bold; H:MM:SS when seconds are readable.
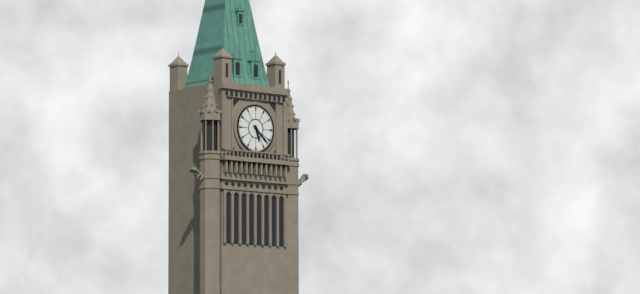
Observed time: **5:22**
